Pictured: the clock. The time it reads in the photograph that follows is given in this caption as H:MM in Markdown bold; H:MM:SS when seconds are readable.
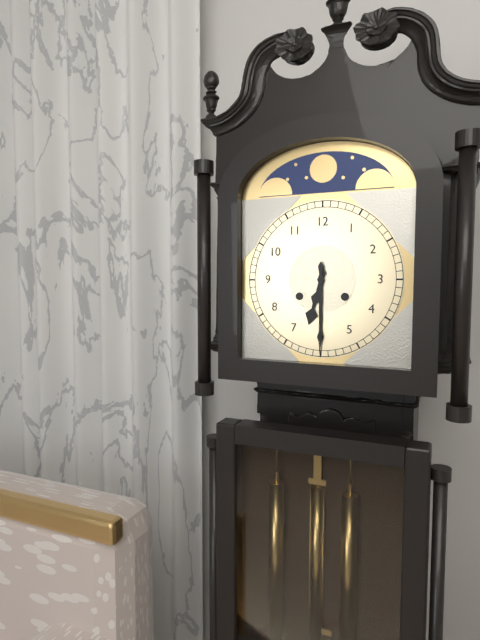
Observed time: **6:30**
